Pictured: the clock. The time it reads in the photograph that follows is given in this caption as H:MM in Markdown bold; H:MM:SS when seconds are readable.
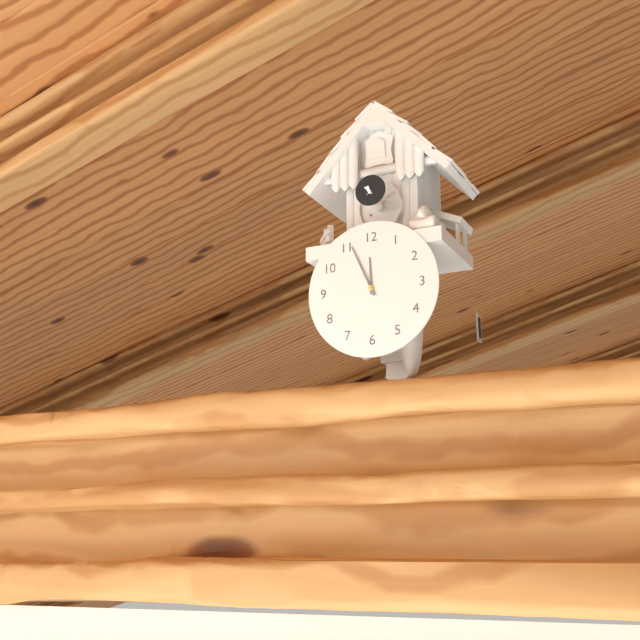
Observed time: **11:56**
